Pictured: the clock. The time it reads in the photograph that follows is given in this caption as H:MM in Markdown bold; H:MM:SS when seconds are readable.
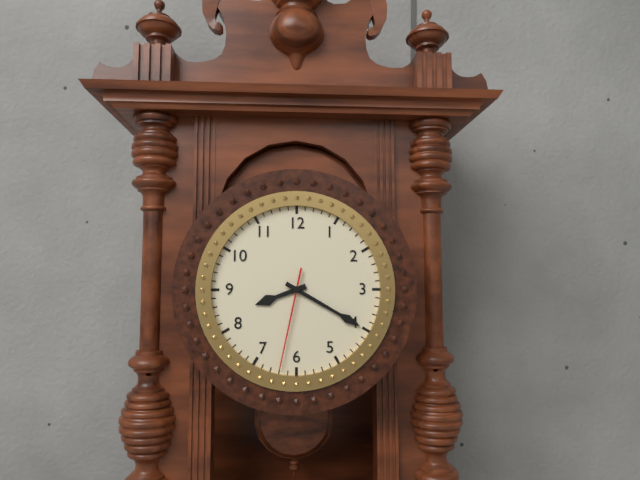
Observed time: **8:20:32**
